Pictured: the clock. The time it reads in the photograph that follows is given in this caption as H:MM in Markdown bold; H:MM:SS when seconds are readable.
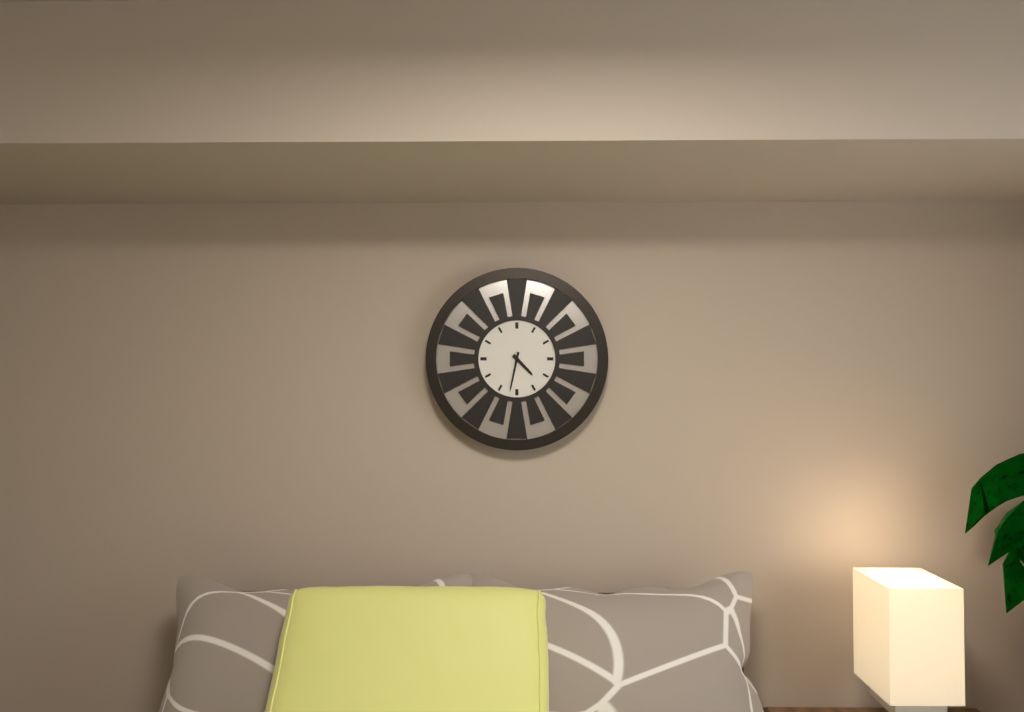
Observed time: **4:32**
